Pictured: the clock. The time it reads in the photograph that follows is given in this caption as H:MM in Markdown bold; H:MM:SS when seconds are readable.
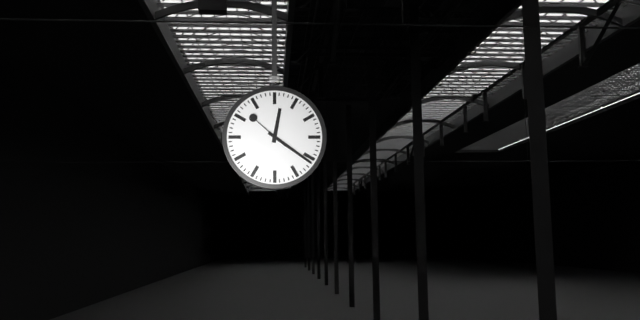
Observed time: **12:21**
